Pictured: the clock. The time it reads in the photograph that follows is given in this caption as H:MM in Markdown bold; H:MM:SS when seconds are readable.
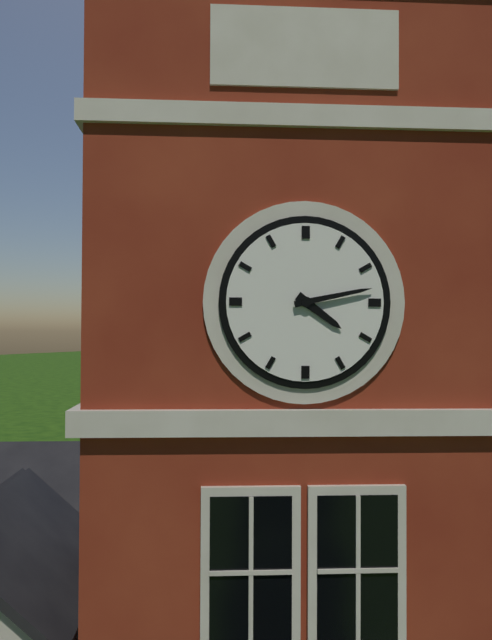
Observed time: **4:13**
